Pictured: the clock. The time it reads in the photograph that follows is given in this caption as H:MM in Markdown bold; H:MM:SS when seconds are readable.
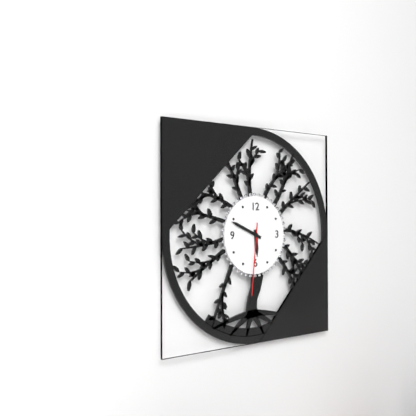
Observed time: **5:49:31**
